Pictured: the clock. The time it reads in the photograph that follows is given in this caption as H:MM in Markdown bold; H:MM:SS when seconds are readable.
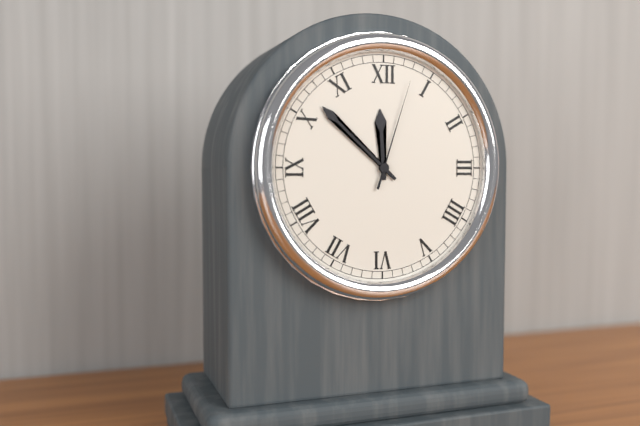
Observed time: **11:52:03**
